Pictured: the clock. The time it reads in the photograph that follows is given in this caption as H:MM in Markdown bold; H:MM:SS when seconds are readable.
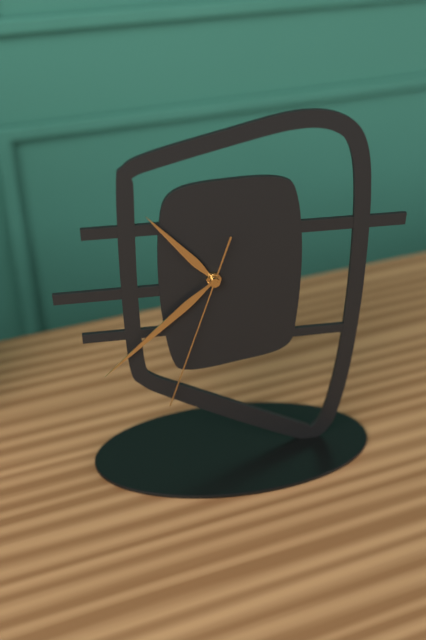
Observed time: **10:38:33**
